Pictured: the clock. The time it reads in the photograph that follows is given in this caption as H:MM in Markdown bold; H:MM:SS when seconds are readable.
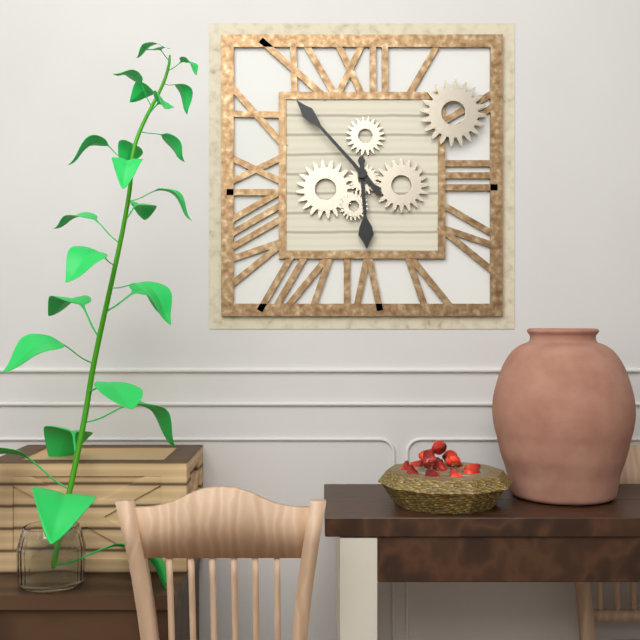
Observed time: **5:53**
